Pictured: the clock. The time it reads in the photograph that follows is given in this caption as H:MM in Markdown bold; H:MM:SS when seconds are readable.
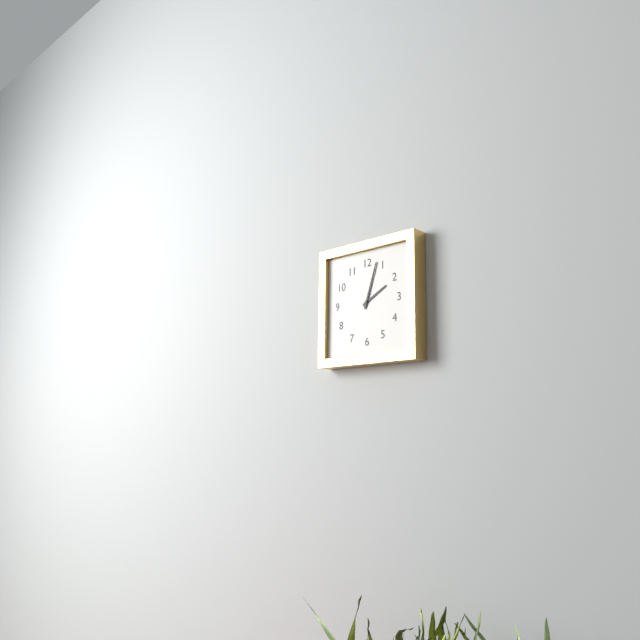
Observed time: **2:03**
